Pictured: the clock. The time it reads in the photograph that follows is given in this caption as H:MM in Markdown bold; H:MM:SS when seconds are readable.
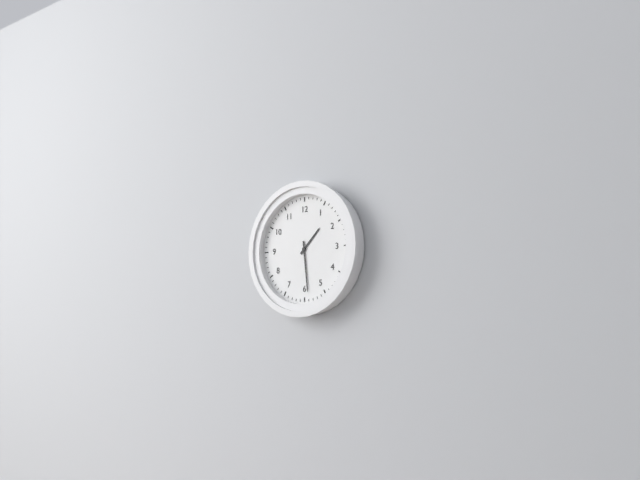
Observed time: **1:29**
